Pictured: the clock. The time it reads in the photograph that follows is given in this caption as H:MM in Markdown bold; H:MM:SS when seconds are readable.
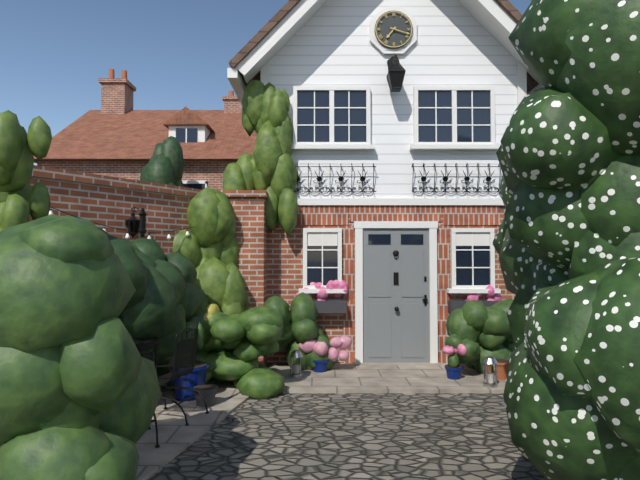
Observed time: **7:18**
